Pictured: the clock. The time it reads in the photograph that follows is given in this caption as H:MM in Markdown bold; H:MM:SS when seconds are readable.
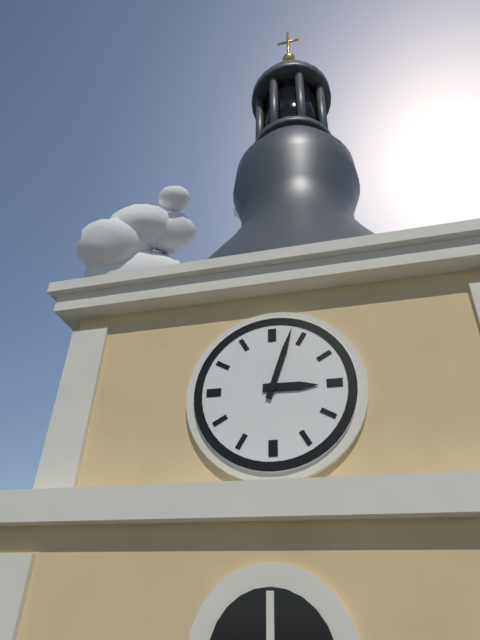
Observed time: **3:03**
